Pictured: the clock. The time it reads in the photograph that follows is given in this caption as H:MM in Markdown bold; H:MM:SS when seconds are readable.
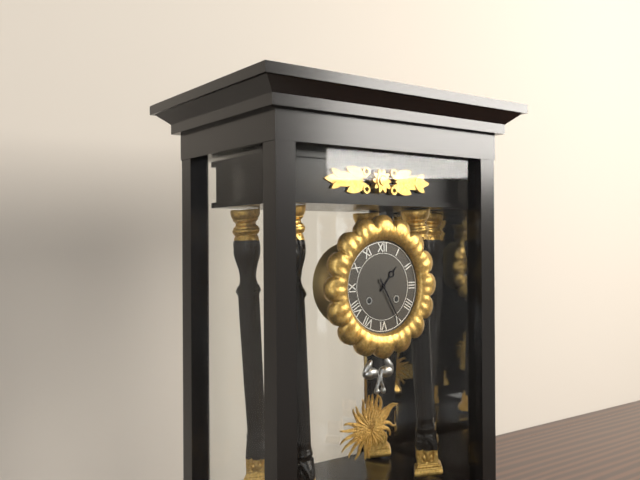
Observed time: **1:25**
